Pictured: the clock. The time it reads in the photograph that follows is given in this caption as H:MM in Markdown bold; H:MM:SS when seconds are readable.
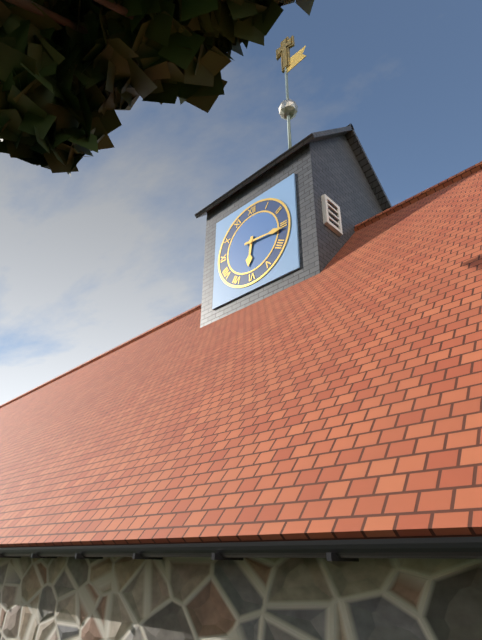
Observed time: **6:16**
